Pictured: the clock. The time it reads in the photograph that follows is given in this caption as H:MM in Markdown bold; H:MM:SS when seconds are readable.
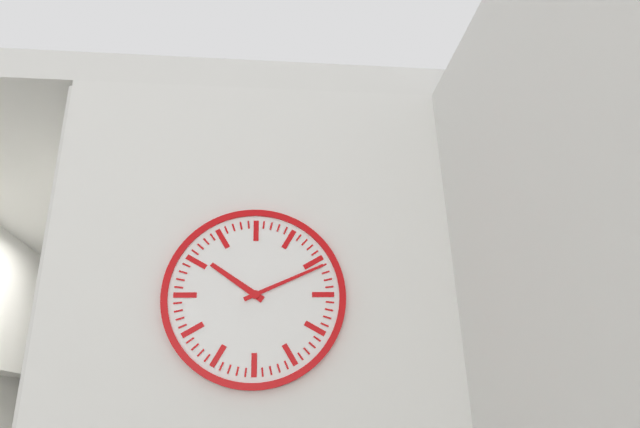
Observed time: **10:11**
